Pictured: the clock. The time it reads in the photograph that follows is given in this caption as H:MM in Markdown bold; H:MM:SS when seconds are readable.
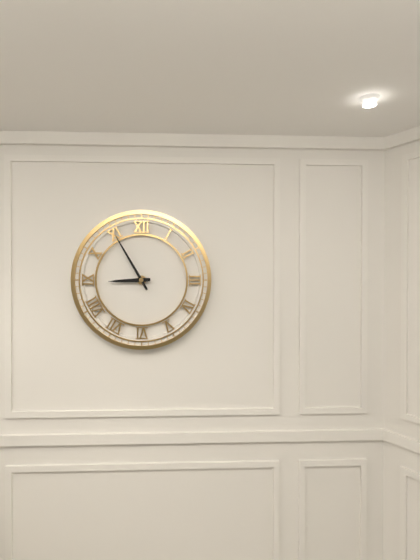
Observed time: **8:55**
